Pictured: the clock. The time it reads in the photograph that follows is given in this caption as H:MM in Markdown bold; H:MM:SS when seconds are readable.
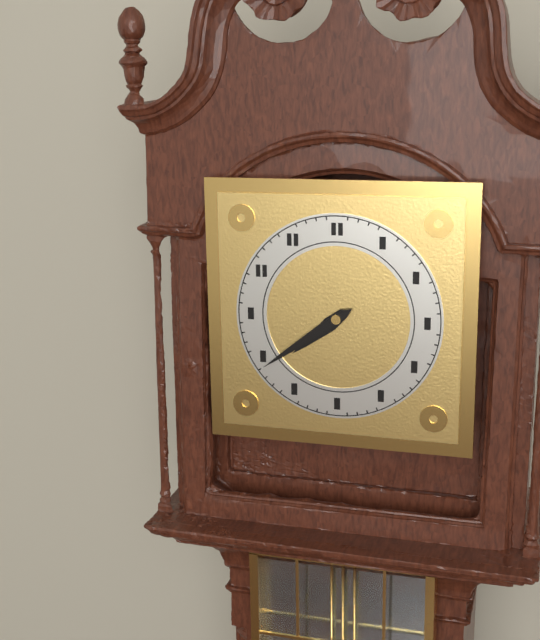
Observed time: **7:39**
